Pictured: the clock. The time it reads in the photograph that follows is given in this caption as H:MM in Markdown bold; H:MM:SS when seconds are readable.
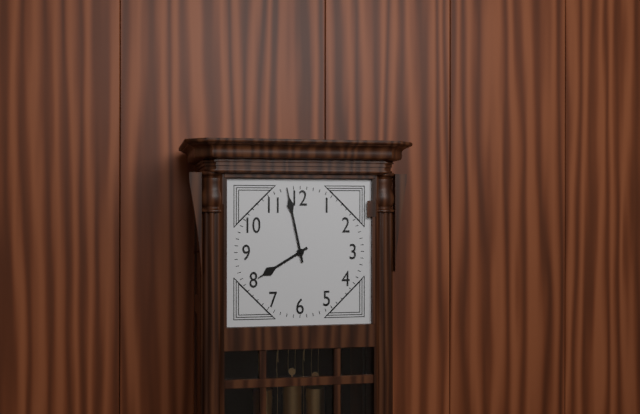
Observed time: **7:58**
